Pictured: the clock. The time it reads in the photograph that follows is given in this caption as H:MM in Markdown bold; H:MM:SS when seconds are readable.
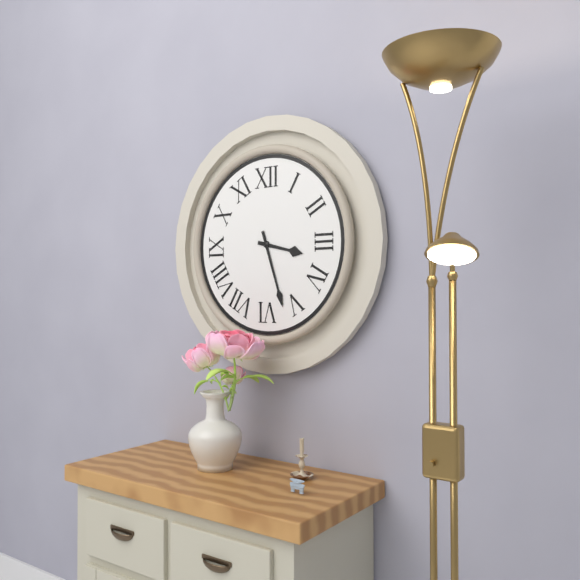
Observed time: **3:27**
